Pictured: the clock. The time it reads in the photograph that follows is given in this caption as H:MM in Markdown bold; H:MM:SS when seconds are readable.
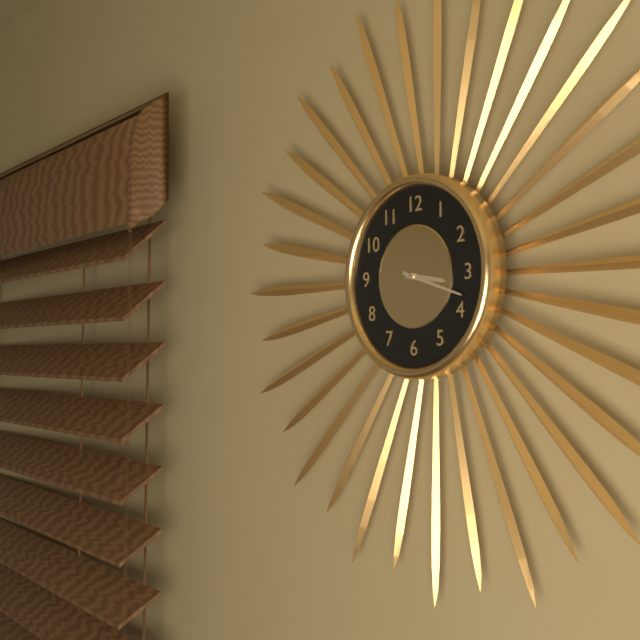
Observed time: **3:18**
